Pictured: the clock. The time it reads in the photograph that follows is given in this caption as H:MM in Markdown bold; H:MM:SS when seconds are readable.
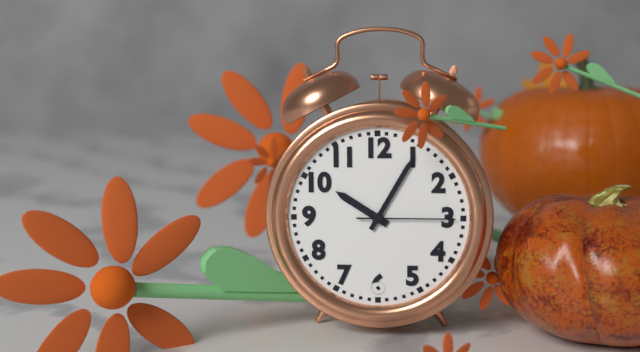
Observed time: **10:05:15**
